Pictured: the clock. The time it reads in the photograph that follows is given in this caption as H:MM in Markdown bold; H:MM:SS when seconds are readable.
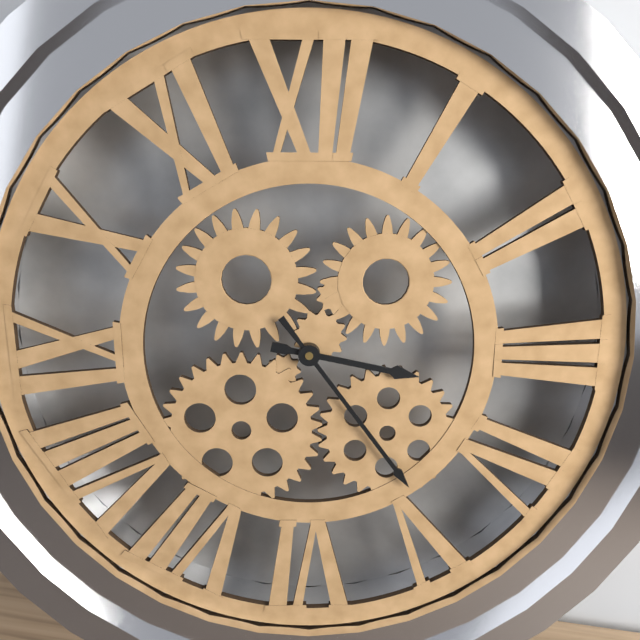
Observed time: **3:24**
